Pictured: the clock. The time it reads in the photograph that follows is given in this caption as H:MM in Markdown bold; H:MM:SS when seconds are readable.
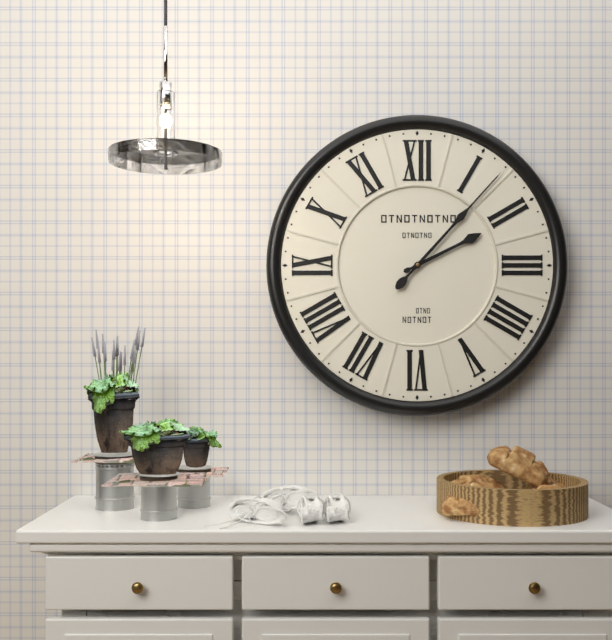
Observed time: **2:07**
